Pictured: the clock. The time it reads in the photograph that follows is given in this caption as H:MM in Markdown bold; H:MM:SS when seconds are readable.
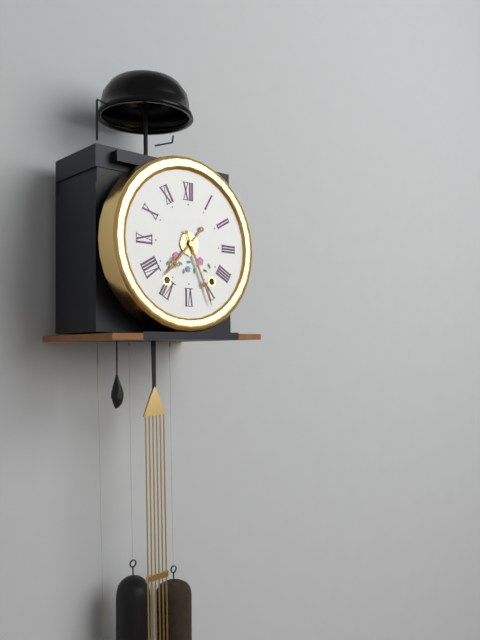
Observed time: **7:26**
